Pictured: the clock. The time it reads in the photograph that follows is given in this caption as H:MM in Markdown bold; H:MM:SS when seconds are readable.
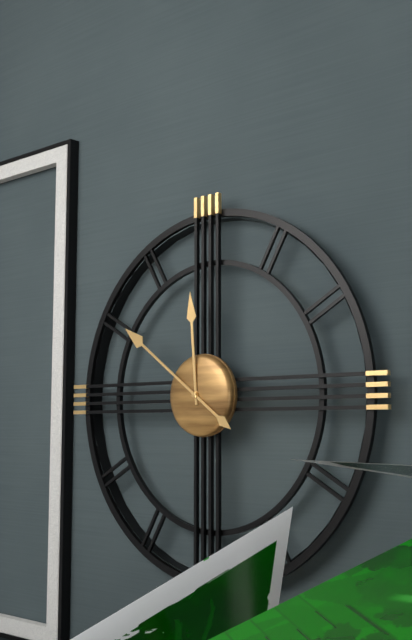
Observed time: **11:51**
